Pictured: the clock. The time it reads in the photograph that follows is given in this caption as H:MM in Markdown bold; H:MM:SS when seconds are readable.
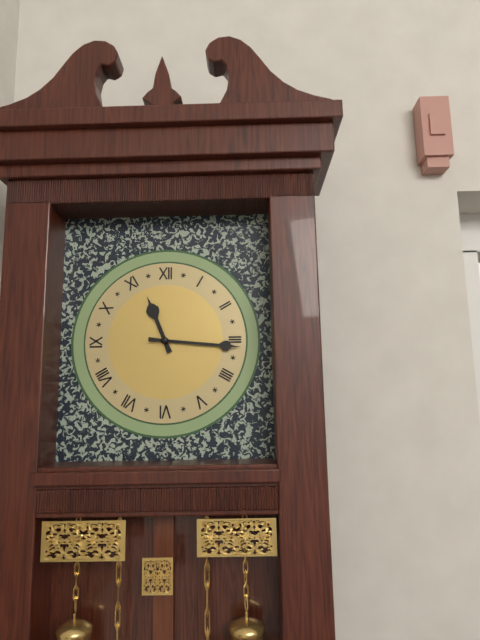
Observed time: **11:16**
